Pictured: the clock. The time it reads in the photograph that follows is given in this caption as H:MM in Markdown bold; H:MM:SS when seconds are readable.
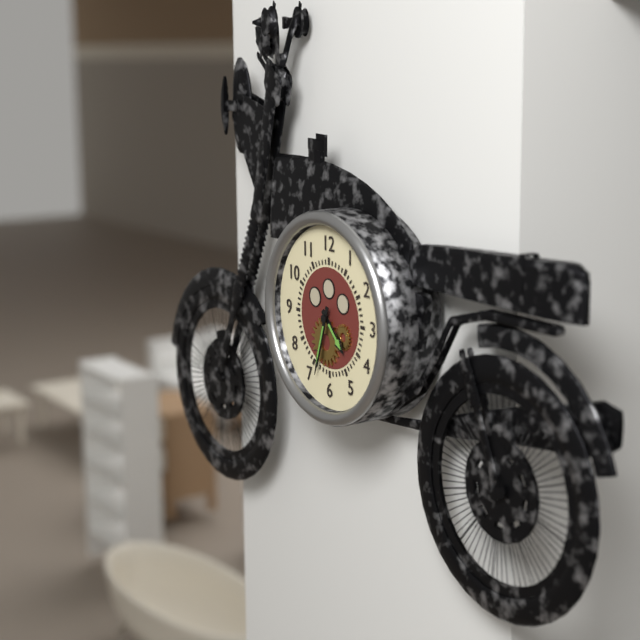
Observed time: **4:33**
